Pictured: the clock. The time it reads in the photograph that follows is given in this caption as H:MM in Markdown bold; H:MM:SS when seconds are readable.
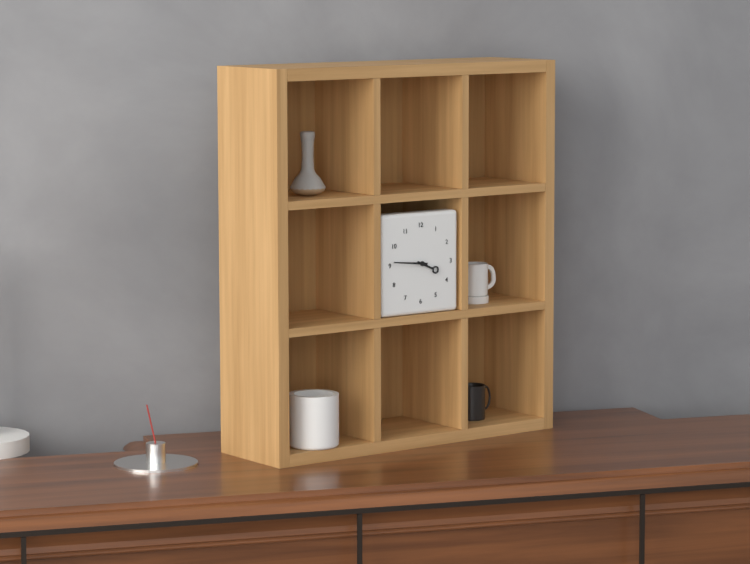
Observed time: **3:46**
